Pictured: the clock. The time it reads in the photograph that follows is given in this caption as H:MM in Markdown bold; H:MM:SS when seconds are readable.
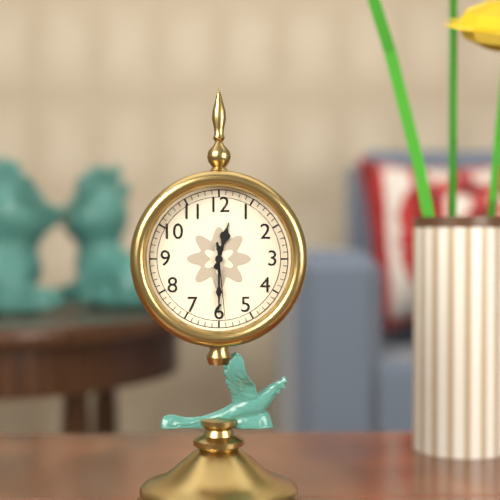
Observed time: **12:30:29**
